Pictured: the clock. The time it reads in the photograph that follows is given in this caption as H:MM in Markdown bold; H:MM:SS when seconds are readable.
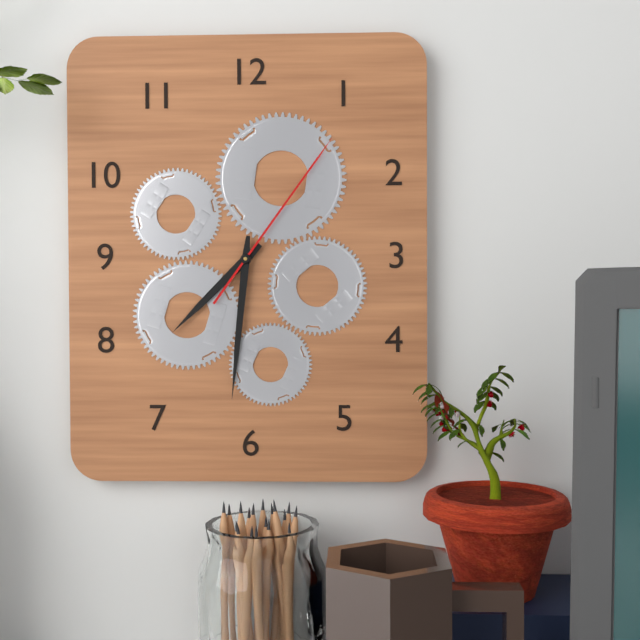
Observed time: **7:31:06**
